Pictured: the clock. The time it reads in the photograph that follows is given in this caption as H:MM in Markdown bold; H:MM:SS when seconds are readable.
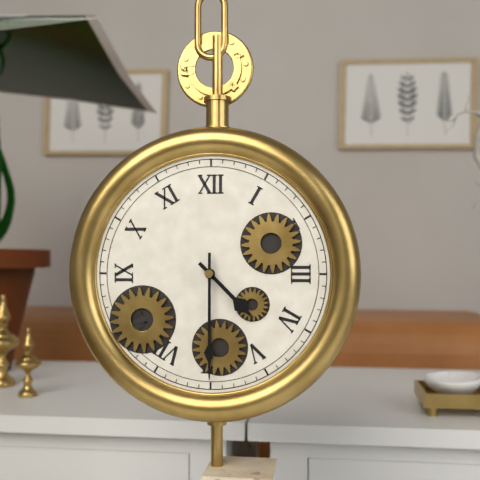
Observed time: **4:30**
